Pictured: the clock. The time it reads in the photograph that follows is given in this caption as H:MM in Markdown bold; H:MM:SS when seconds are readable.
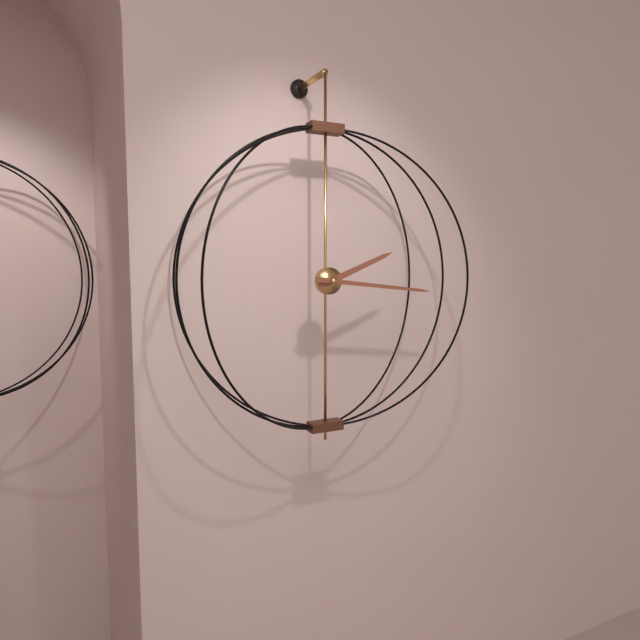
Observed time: **2:16**
